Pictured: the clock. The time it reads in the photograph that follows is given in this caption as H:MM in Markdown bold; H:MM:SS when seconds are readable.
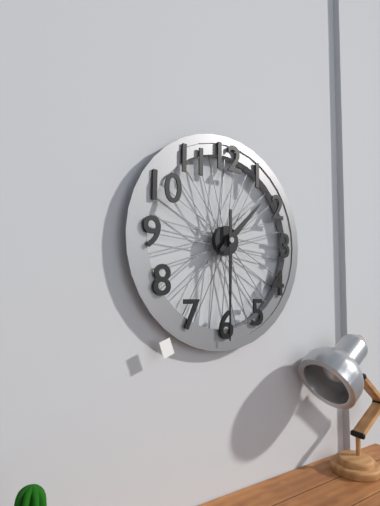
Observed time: **1:30**
